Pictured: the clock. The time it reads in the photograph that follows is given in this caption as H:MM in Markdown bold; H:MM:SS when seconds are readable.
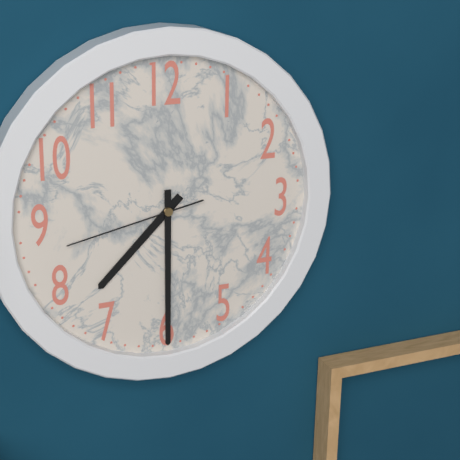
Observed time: **7:30:43**
